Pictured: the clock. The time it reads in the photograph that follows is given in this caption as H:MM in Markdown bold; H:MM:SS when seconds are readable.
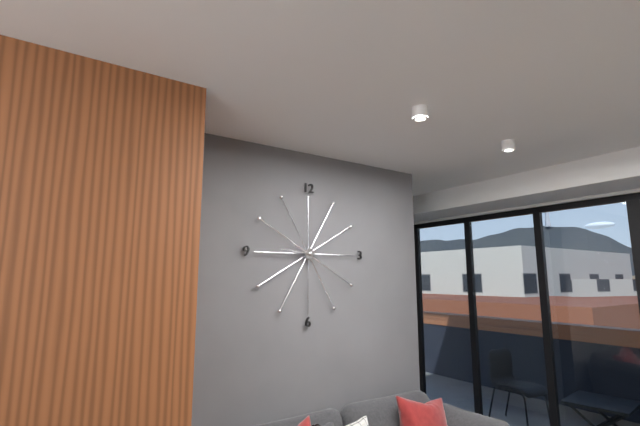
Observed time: **9:46**
